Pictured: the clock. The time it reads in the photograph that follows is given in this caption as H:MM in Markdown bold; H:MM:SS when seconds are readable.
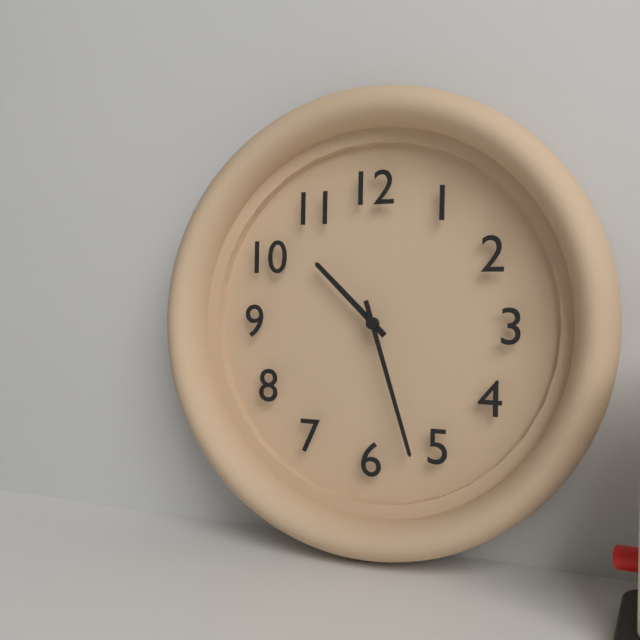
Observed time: **10:27**
